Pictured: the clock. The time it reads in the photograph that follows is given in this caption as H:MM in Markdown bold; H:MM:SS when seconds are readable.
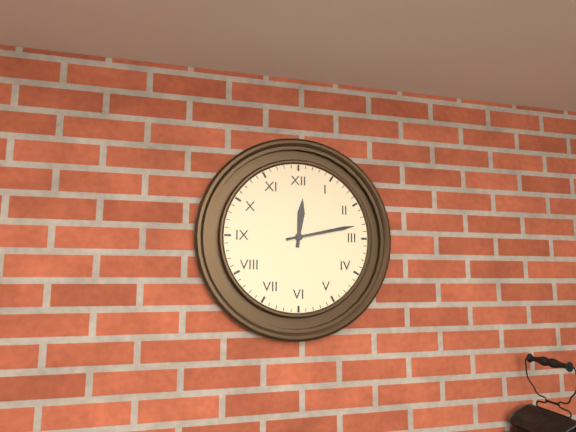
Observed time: **12:13**
